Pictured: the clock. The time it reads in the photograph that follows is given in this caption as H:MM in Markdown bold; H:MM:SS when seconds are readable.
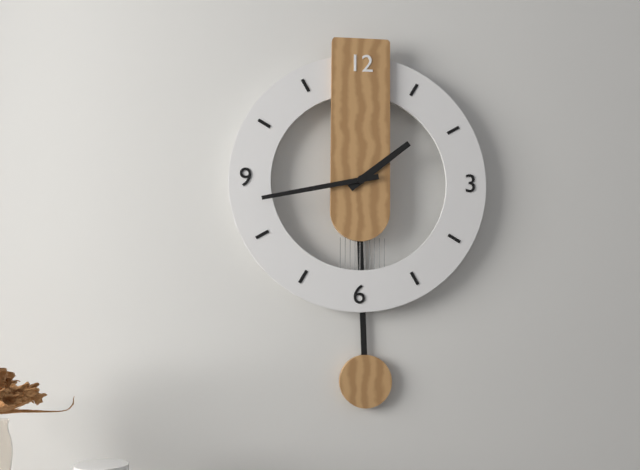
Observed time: **1:43**
